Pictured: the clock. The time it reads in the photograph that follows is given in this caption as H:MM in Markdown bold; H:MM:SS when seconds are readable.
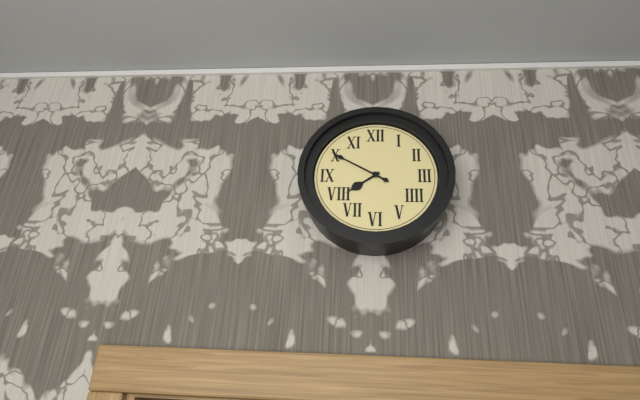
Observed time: **7:50**
